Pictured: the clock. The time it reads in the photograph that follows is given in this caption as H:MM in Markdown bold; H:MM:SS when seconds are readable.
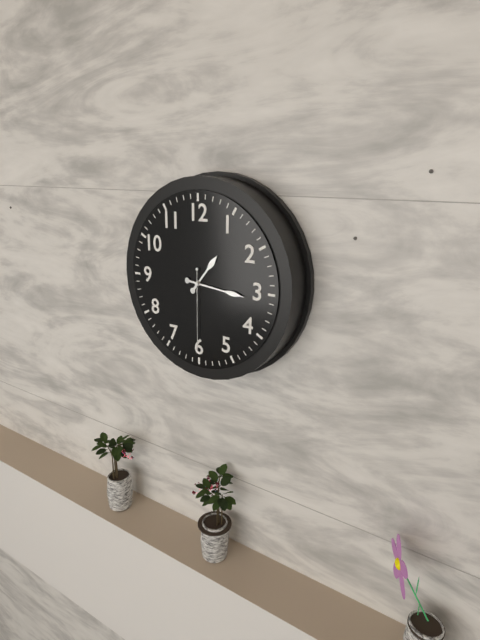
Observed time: **1:16:30**
